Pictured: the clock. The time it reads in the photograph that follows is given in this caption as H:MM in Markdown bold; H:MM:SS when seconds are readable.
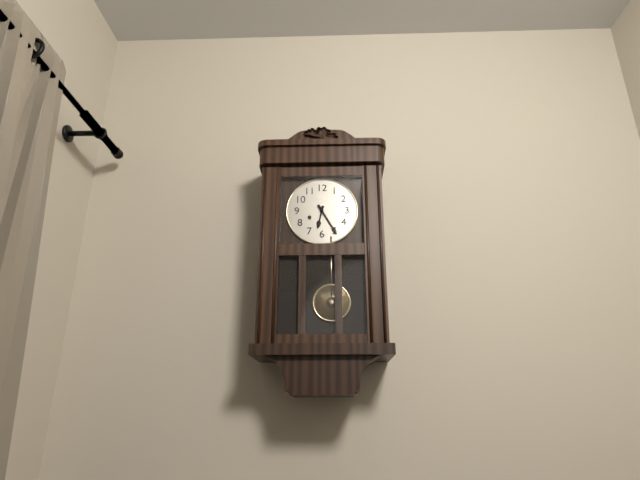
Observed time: **6:25**
